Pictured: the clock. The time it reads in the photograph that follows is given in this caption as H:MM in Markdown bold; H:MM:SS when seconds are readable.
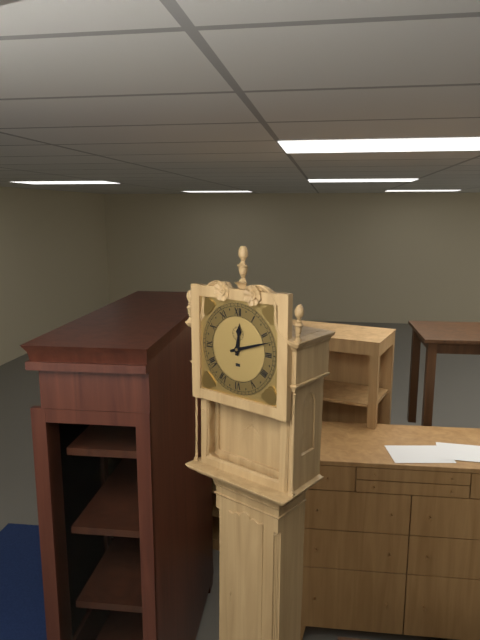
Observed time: **12:12**
